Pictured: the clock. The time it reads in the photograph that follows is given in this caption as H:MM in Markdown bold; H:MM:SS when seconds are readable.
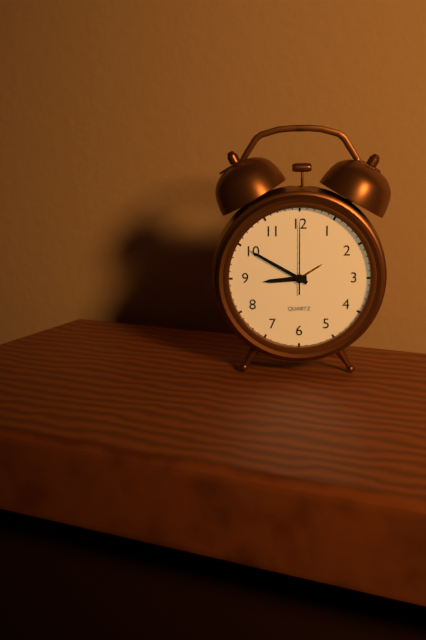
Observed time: **8:50:00**
